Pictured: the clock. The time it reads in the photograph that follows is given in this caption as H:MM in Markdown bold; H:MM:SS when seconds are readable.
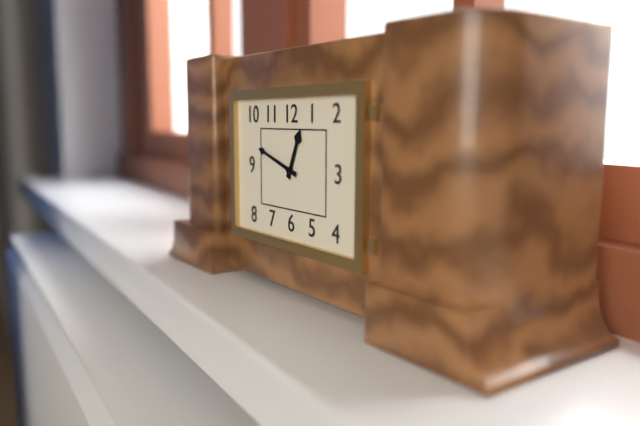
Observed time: **12:48**
